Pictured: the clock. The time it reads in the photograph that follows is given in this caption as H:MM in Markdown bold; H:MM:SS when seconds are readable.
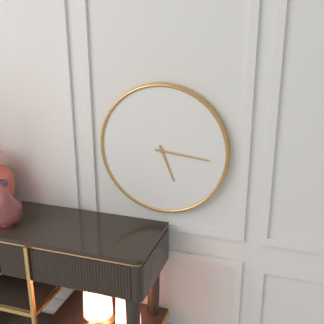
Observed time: **5:16**
